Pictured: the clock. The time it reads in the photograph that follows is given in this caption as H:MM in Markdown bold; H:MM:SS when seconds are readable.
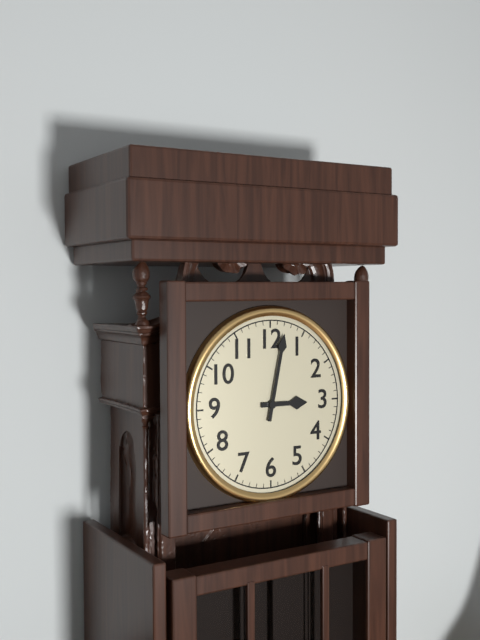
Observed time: **3:02**
